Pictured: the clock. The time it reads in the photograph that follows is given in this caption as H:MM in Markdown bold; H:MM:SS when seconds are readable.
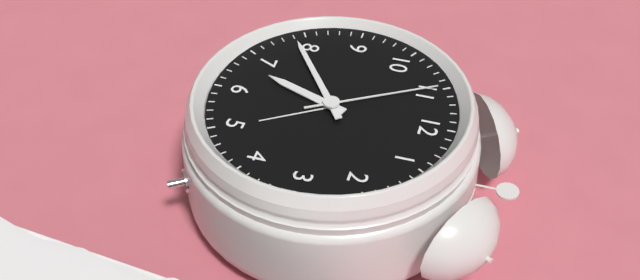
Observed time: **6:39:55**
